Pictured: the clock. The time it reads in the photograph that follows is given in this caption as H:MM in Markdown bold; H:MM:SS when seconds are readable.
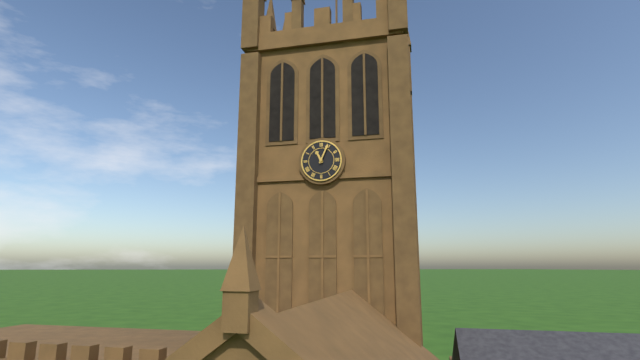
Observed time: **11:04**
